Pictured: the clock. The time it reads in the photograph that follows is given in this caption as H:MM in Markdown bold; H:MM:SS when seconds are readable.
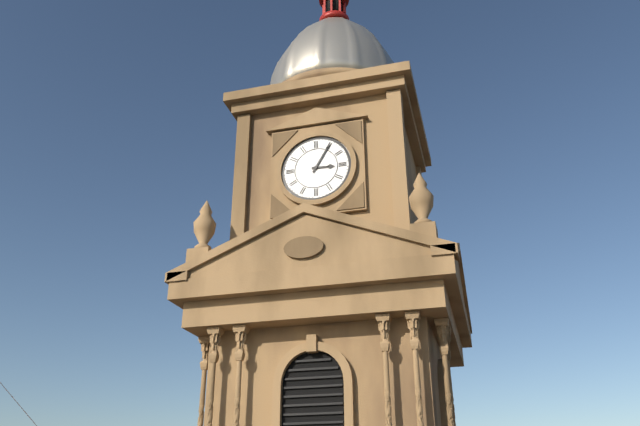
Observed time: **3:05**
